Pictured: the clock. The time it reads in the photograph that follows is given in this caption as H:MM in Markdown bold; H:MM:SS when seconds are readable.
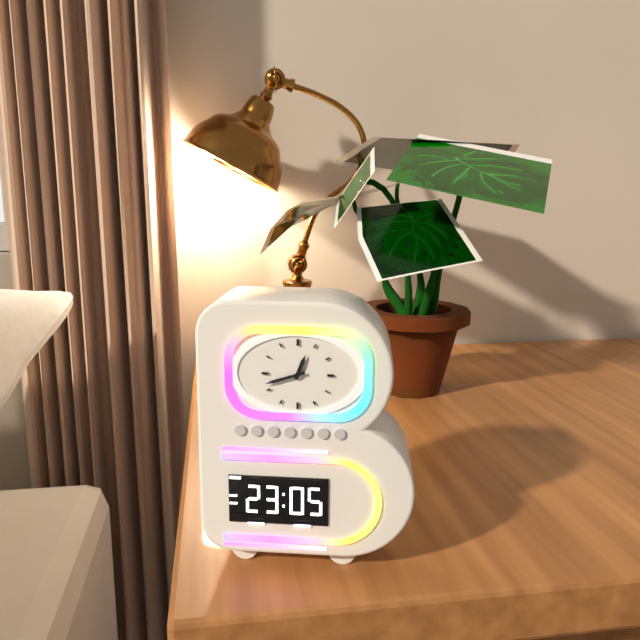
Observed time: **12:42**
